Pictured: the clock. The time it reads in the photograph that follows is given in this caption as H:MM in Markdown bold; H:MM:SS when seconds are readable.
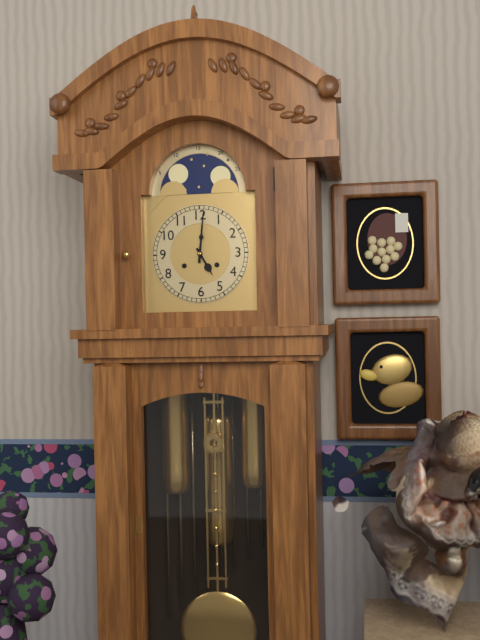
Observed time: **5:01**
